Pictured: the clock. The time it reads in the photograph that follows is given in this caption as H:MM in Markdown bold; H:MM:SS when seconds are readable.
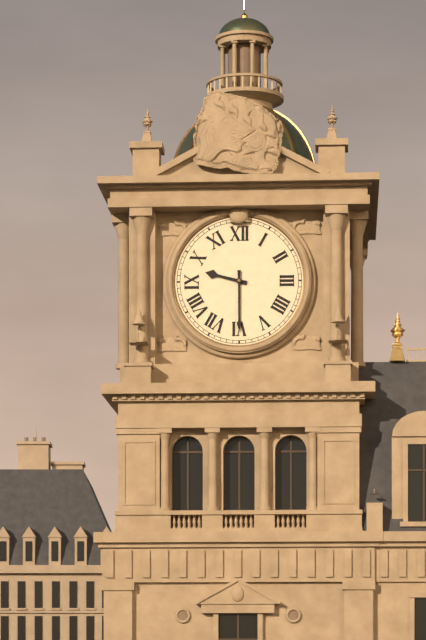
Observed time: **9:30**
